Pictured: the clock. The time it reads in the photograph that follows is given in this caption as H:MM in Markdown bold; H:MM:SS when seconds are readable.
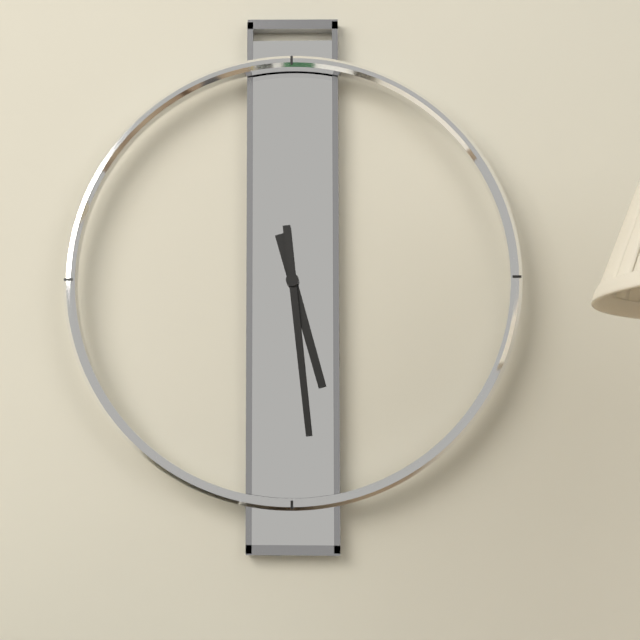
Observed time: **5:29**
